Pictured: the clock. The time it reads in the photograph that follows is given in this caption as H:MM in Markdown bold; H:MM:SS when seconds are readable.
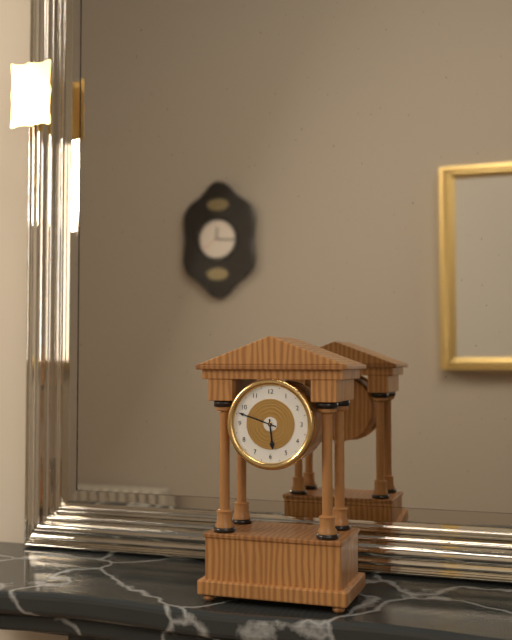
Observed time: **5:48**
